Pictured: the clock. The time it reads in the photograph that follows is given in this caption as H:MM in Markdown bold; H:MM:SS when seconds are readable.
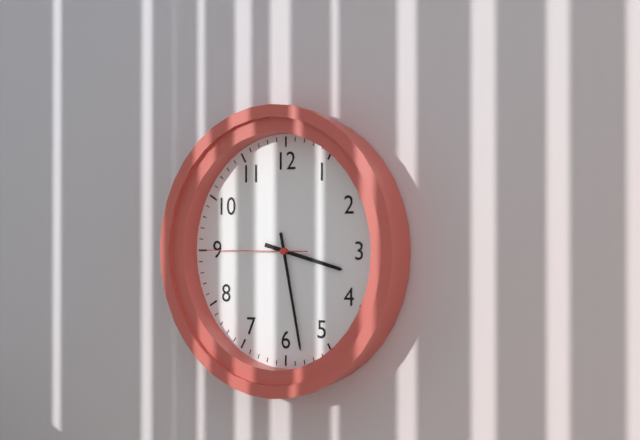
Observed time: **3:28:45**
